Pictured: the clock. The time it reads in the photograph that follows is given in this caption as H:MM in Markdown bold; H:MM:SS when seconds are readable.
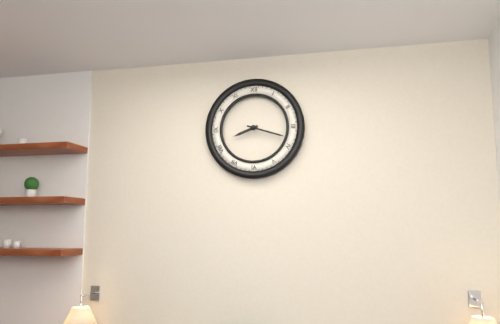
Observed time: **8:18**
